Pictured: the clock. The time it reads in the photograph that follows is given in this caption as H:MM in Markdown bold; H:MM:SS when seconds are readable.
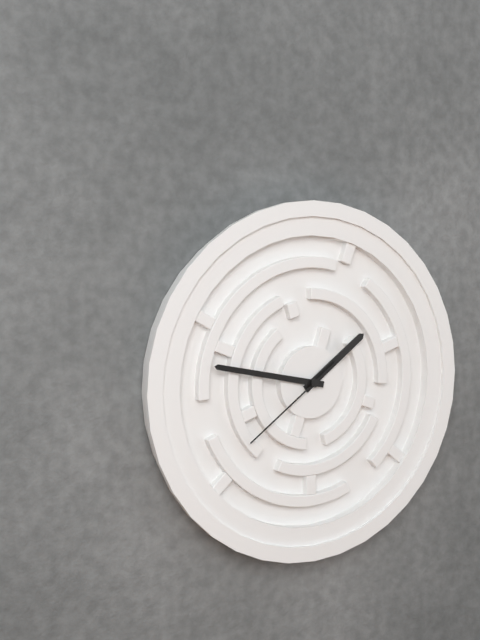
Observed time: **1:47:39**
